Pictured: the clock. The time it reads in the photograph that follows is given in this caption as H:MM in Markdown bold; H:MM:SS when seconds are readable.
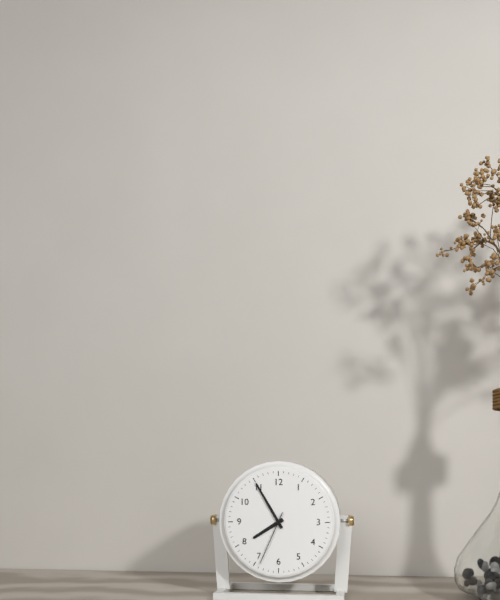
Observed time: **7:55:34**
